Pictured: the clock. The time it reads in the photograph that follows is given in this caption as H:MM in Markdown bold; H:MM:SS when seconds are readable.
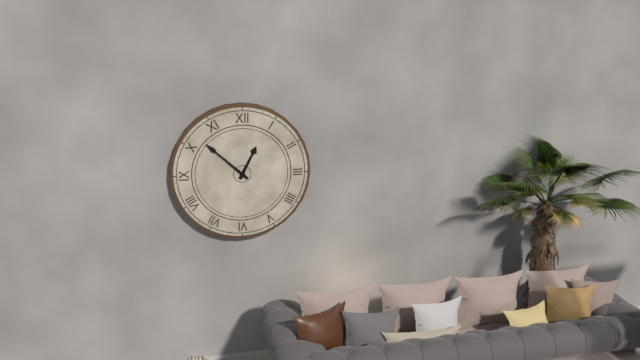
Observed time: **12:52**
